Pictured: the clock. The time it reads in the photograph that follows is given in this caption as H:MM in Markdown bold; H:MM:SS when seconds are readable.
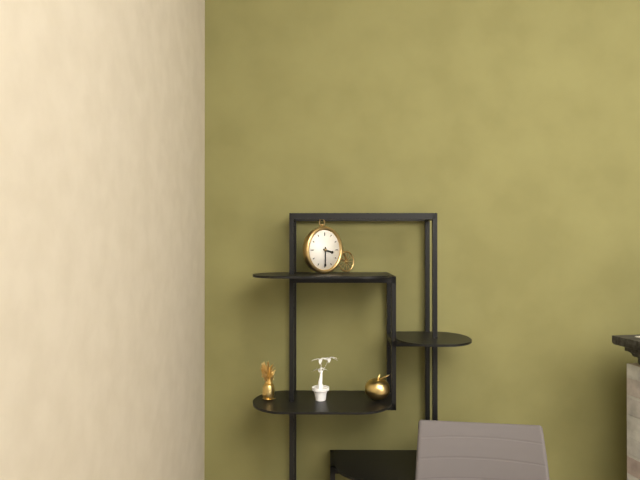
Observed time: **3:30**
